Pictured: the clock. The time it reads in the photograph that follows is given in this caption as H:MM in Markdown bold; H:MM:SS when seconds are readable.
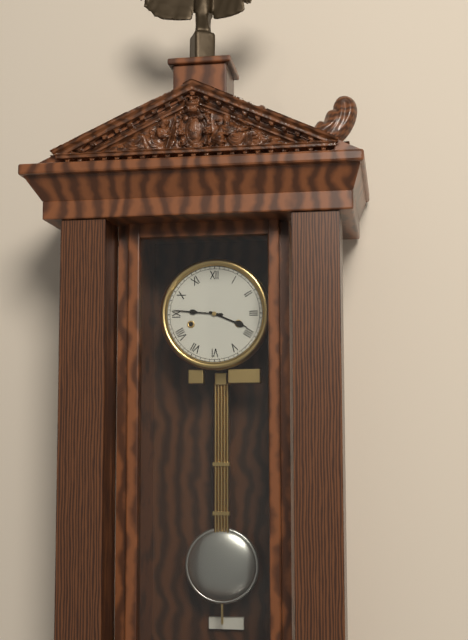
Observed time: **3:46**
